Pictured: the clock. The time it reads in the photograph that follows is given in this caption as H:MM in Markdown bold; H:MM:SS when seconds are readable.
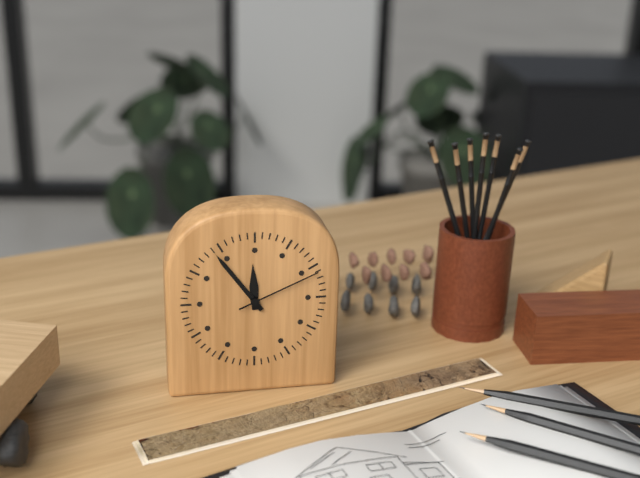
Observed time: **11:54:11**
